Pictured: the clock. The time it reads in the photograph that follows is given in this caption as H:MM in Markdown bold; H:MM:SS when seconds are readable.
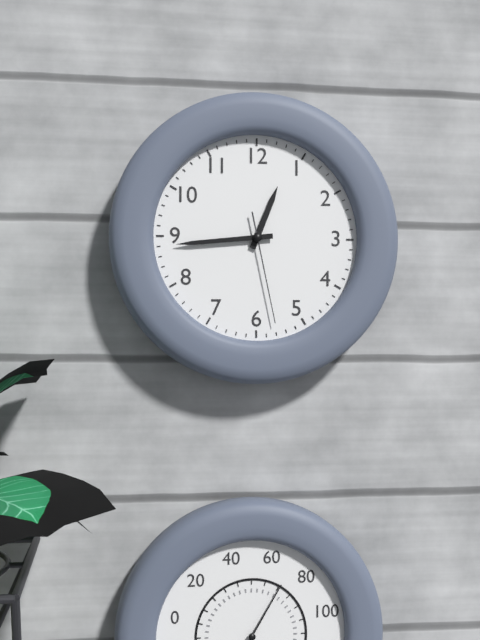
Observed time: **12:44:28**
